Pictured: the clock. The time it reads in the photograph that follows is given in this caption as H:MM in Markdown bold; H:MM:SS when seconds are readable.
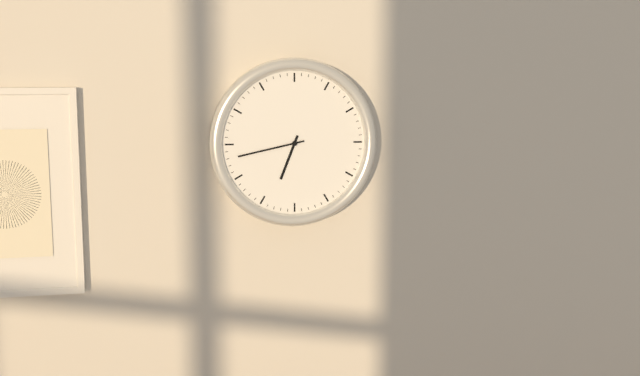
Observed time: **6:43**
